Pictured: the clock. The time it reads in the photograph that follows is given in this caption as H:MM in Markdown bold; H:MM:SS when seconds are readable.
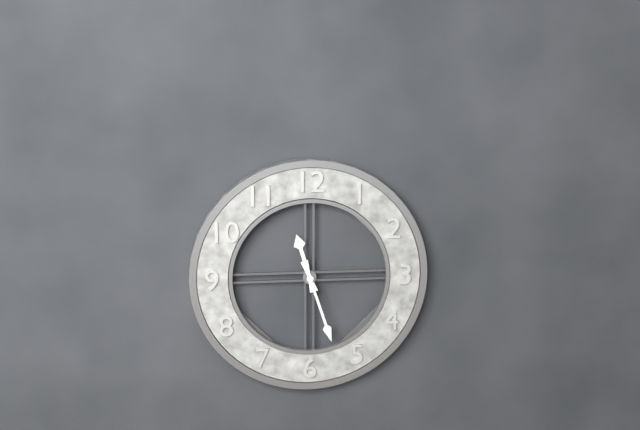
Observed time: **11:27**
